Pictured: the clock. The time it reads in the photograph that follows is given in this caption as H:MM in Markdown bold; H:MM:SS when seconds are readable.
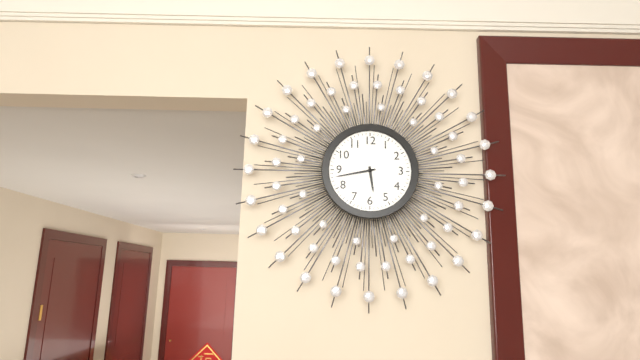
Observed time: **5:43**
